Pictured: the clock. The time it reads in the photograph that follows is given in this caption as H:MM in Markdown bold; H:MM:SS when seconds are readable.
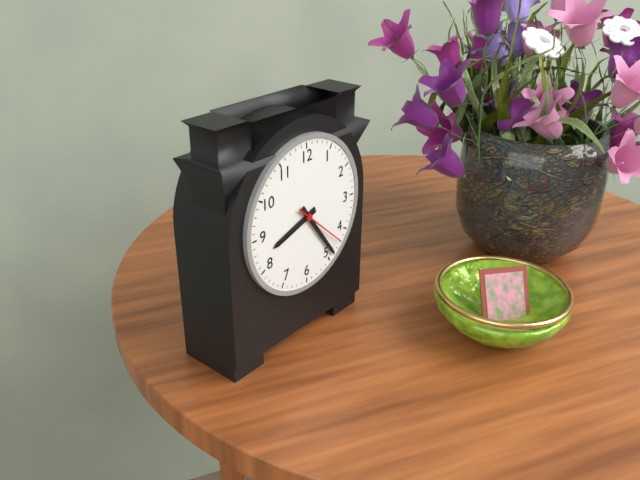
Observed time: **8:24:22**
